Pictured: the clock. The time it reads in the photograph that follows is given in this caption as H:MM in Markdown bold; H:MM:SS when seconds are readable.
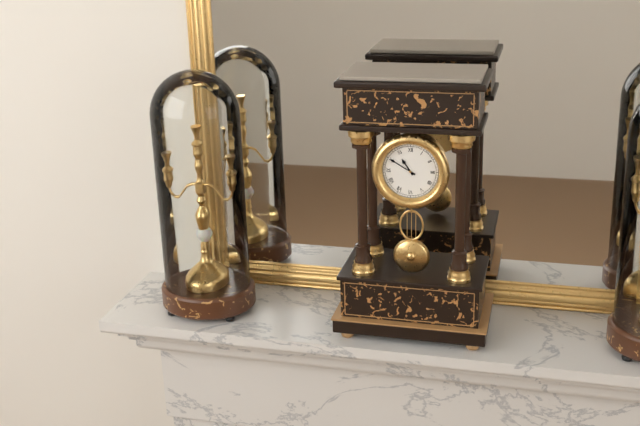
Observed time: **10:50**
